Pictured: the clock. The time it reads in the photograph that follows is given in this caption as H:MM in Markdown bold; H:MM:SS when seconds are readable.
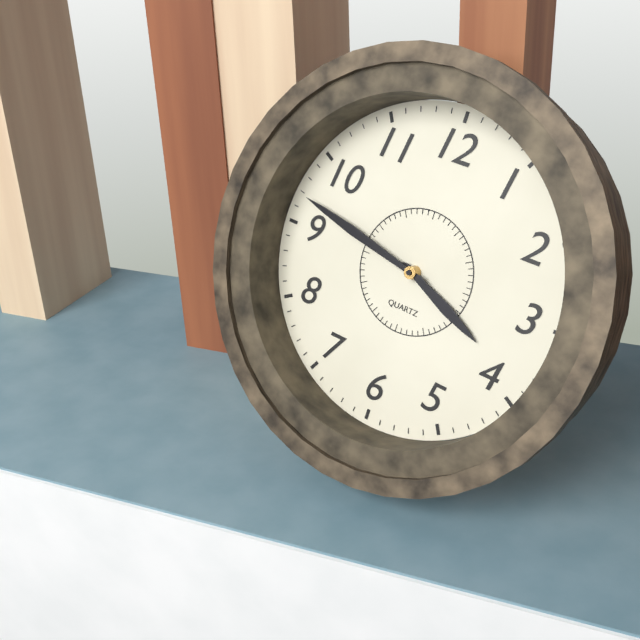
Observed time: **3:47**
